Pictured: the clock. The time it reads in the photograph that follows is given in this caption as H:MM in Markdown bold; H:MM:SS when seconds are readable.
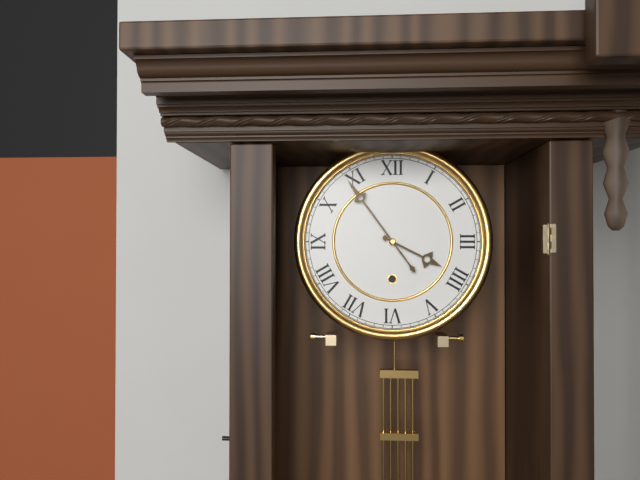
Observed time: **3:54**
